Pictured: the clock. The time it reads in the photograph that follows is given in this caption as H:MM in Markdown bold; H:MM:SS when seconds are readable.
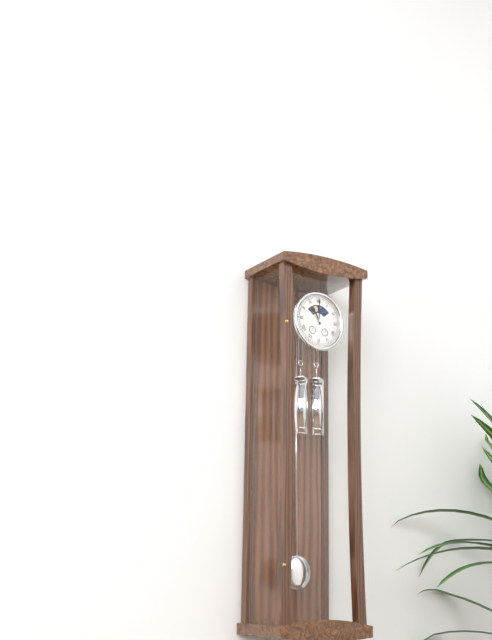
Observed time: **11:00**
